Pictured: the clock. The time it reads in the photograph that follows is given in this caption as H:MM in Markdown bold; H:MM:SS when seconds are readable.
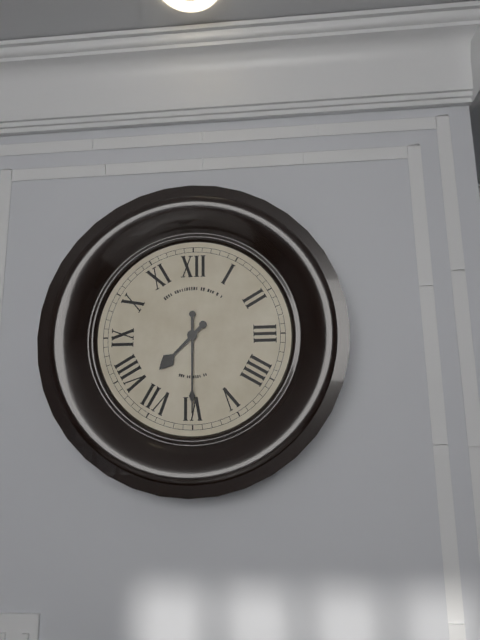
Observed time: **7:30**
